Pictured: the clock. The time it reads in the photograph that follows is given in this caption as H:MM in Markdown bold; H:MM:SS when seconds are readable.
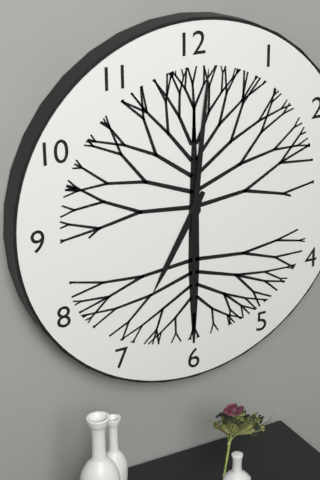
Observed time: **7:01**
